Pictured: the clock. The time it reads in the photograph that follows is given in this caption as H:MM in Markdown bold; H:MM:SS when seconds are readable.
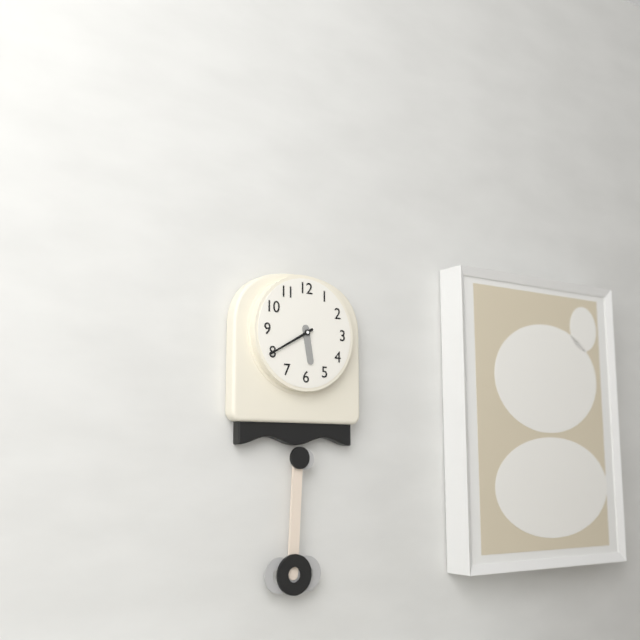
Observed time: **5:40**
